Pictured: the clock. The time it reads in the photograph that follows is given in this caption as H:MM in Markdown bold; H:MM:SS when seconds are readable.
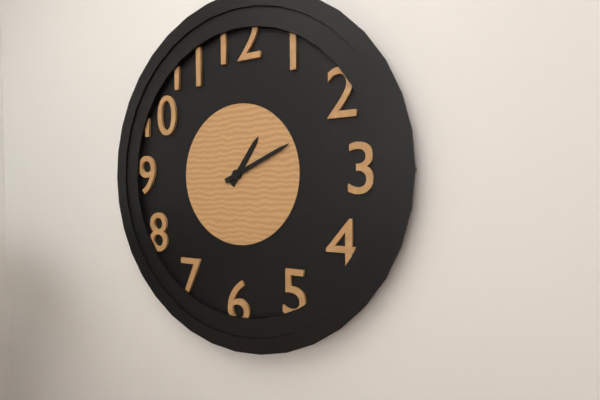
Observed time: **1:11**
